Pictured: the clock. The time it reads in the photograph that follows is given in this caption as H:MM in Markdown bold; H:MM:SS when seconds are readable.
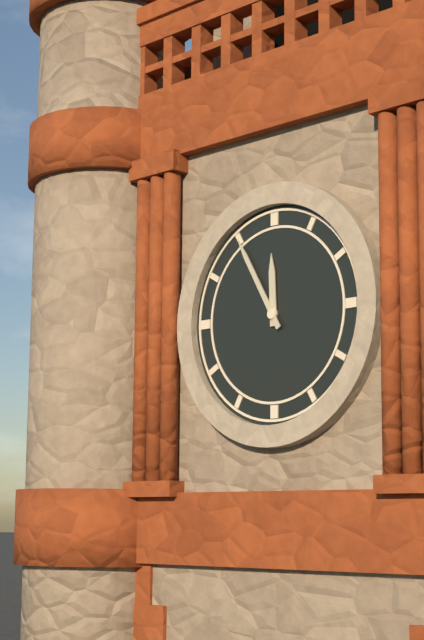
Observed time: **11:55**
